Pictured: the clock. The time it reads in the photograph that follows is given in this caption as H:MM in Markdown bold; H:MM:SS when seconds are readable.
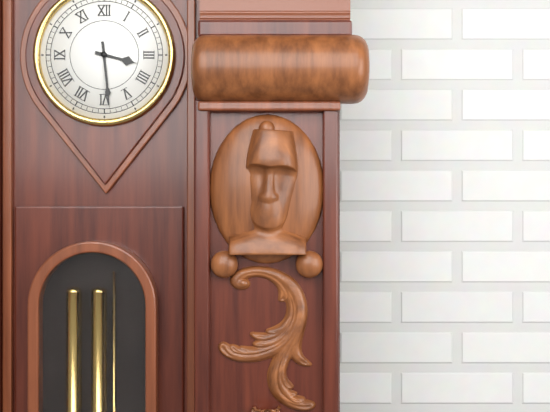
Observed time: **3:29**
